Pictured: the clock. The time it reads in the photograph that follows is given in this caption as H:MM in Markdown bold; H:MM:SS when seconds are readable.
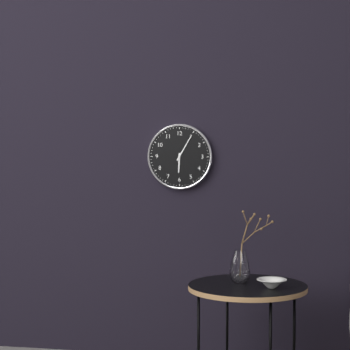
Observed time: **6:05**
